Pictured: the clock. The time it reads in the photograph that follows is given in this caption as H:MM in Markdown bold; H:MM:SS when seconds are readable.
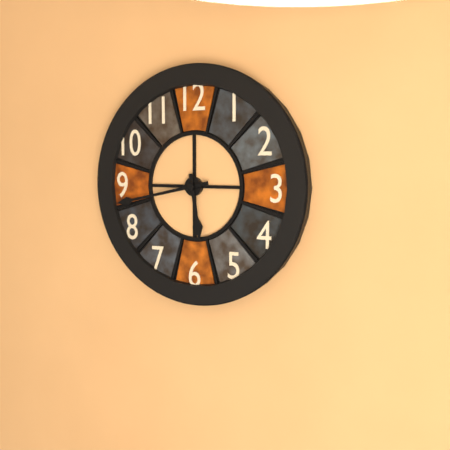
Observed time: **5:43**
